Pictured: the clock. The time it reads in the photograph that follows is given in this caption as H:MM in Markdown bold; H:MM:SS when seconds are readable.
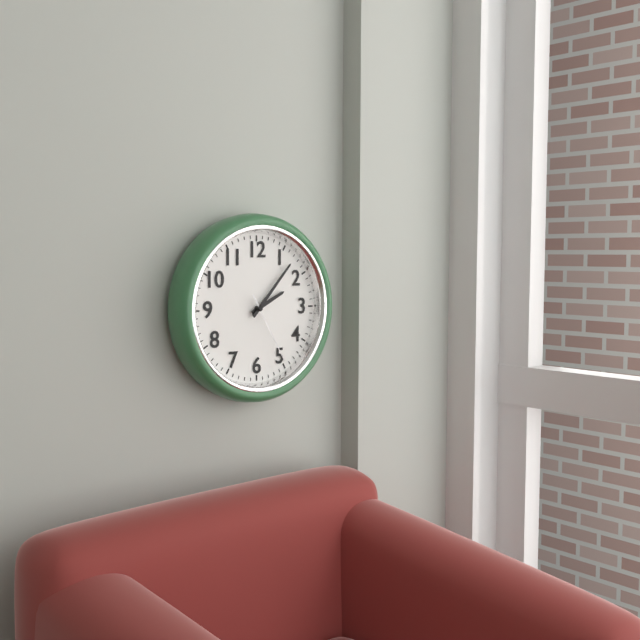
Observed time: **2:07:25**
